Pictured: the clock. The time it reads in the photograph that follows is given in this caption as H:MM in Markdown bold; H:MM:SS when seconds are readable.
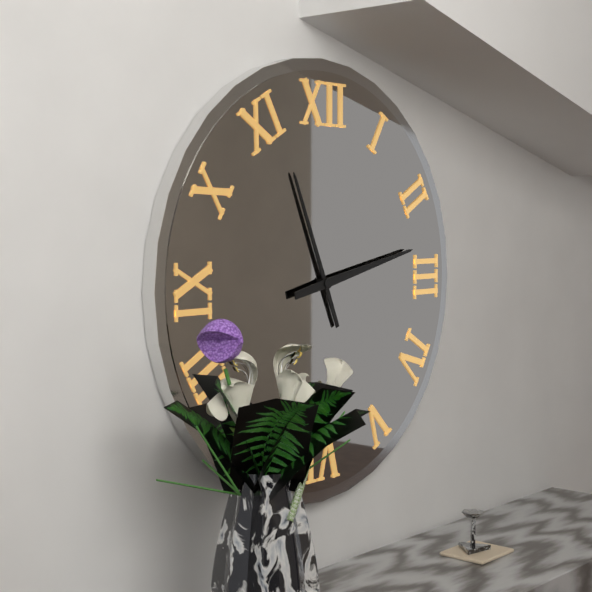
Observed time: **11:13**
